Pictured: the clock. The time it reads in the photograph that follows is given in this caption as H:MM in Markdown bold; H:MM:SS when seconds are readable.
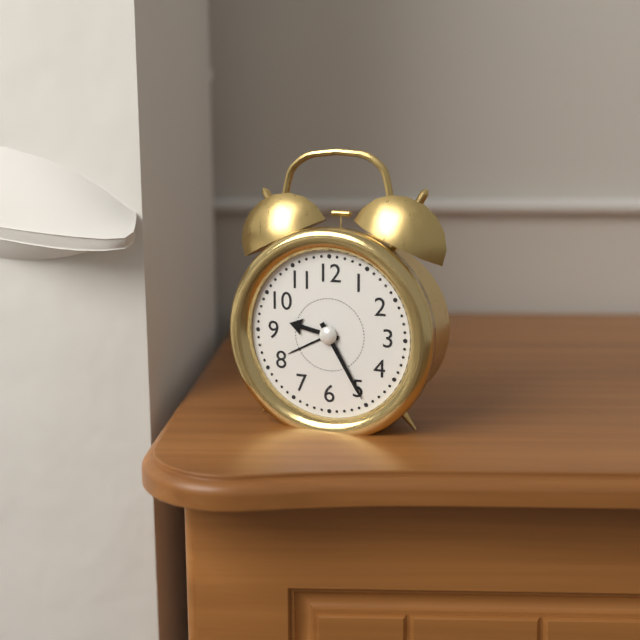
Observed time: **9:25**
